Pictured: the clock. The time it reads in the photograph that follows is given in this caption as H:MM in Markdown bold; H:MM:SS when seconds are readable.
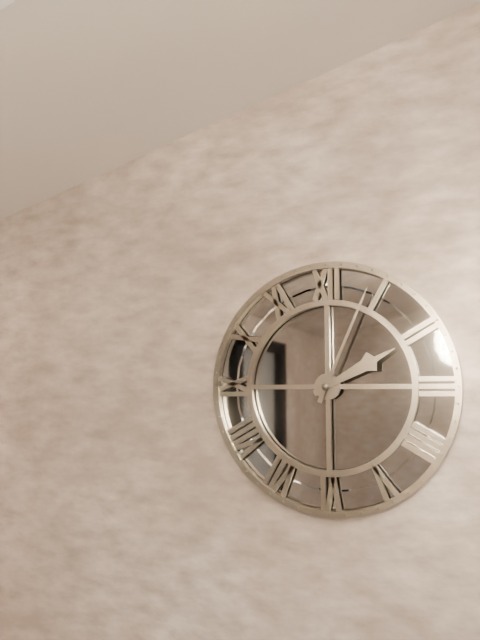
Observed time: **2:04**
